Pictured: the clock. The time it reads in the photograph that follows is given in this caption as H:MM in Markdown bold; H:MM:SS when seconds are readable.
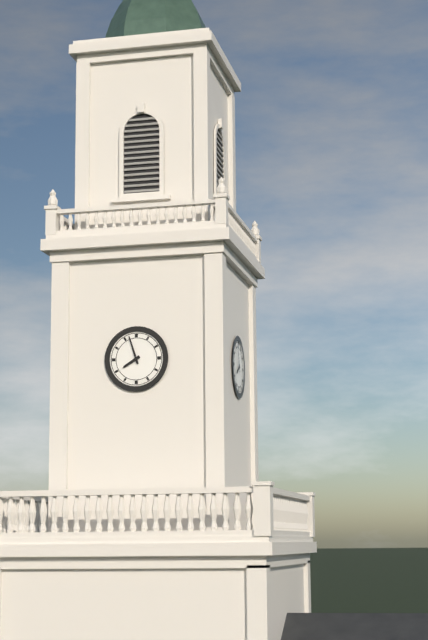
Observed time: **7:57**
